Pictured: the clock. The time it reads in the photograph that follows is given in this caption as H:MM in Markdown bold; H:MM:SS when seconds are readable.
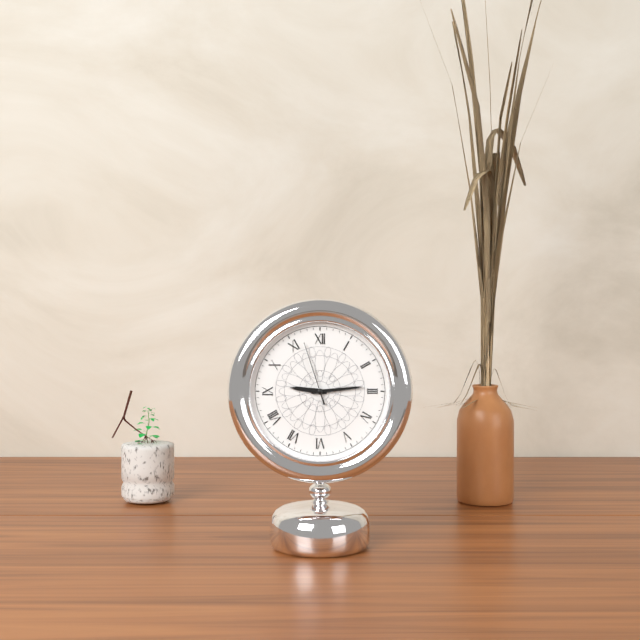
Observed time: **9:14:57**
